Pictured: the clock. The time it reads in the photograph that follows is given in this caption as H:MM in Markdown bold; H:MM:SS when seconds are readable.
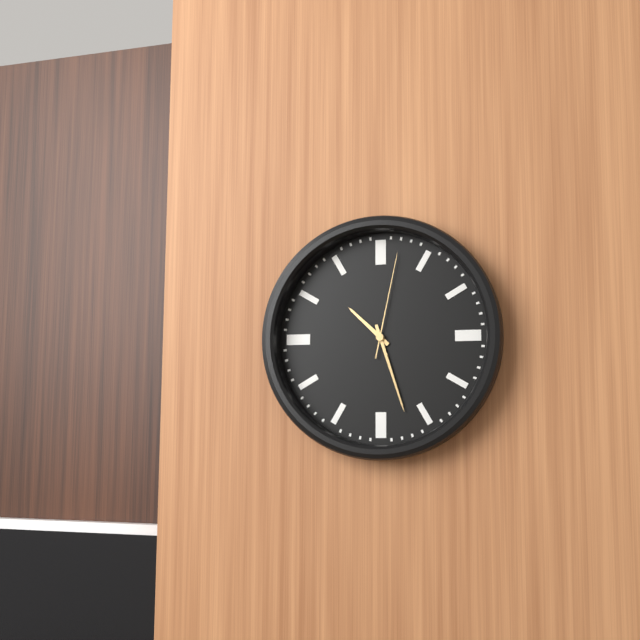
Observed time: **10:27:02**
